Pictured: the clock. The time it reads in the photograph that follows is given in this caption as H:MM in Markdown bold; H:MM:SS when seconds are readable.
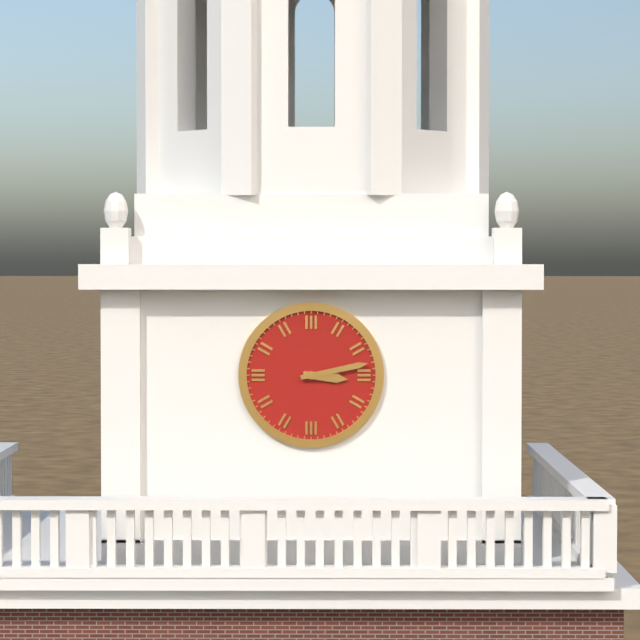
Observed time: **3:13**
